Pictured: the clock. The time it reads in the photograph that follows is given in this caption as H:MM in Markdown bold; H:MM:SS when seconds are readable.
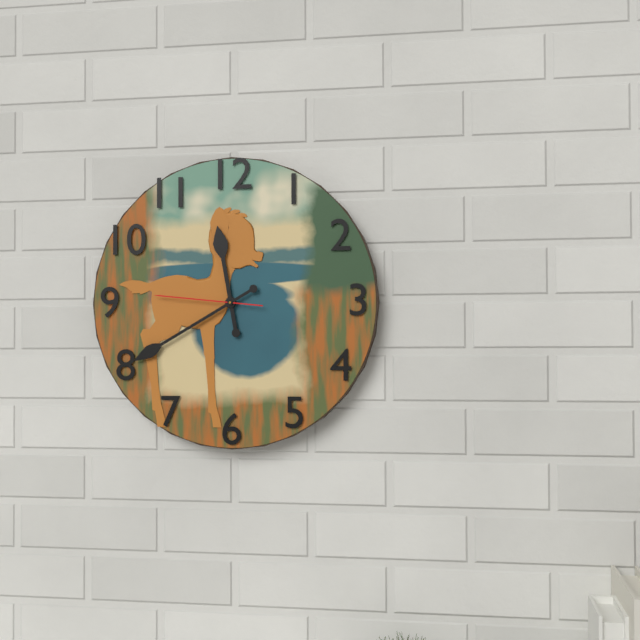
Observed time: **11:40:46**
